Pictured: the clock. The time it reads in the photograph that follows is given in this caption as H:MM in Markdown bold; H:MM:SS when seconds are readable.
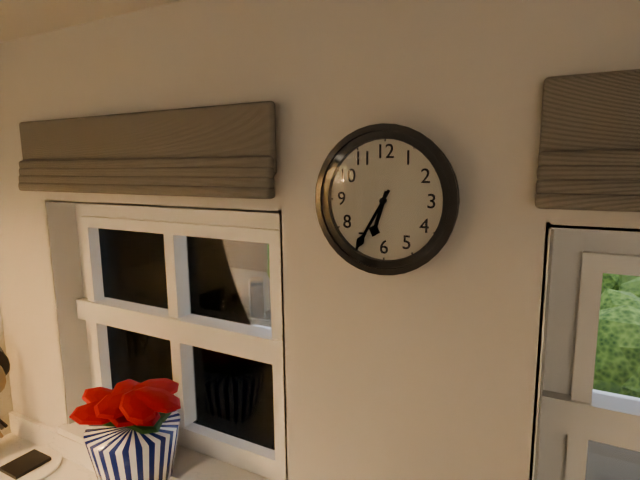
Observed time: **6:35**
